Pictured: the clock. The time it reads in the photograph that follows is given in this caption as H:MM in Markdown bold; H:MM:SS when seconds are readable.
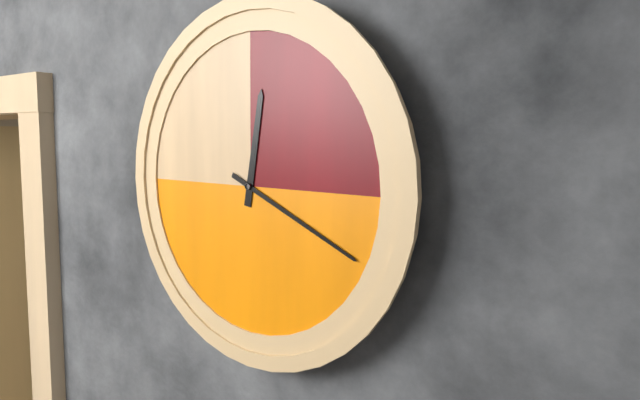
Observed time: **12:19**
